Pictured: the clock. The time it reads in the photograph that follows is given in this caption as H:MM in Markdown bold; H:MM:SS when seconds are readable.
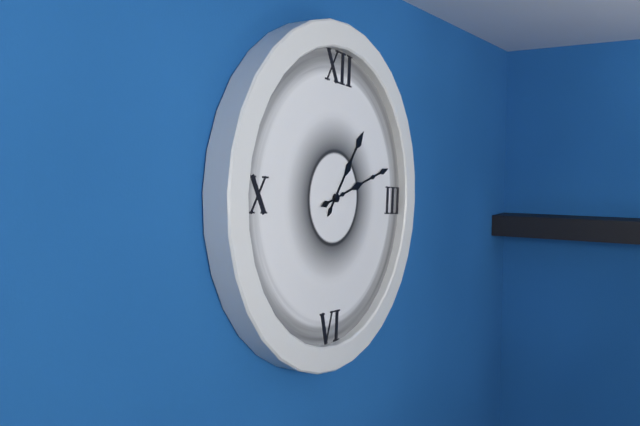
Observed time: **1:12**
